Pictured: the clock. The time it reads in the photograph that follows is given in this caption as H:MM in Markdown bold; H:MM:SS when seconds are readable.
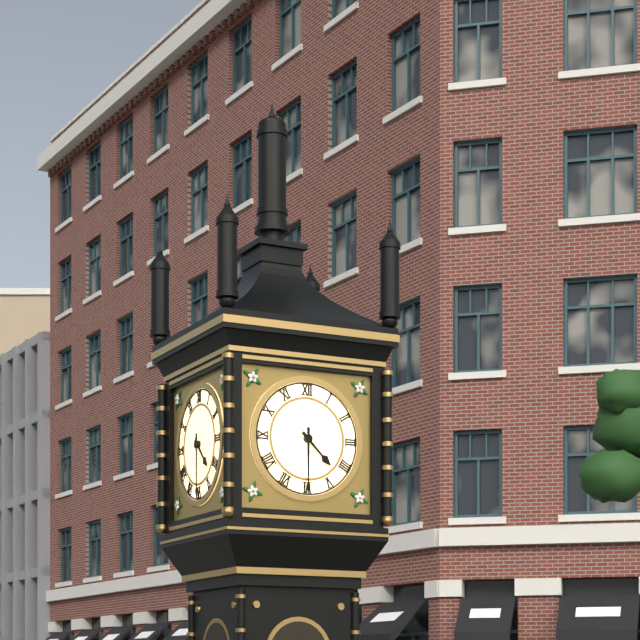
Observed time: **4:30**
